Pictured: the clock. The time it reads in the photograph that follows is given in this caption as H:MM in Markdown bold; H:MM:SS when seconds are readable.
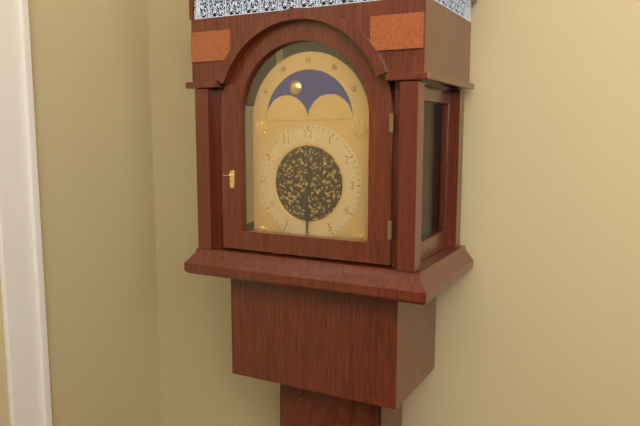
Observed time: **6:30**
